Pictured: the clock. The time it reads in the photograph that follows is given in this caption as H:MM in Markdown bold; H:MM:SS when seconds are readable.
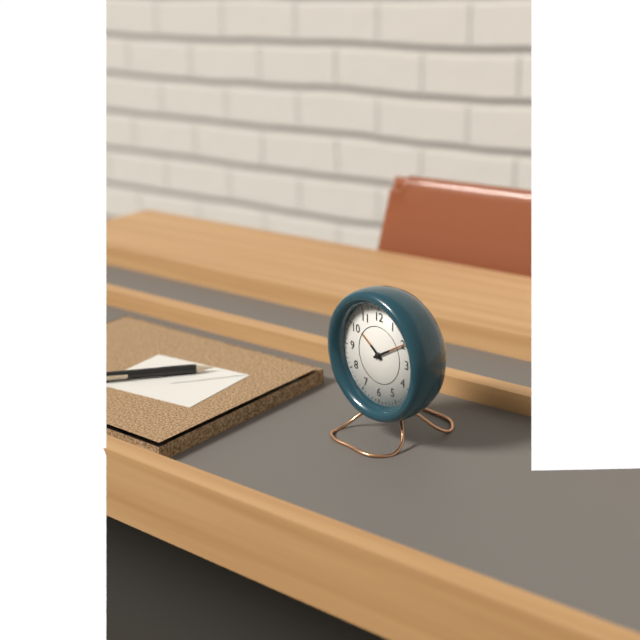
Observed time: **10:10**
